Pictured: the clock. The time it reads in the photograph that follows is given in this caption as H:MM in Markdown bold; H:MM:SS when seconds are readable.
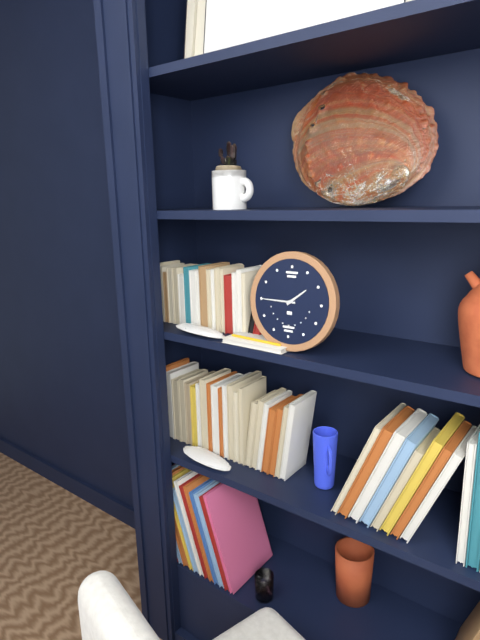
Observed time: **1:45**
